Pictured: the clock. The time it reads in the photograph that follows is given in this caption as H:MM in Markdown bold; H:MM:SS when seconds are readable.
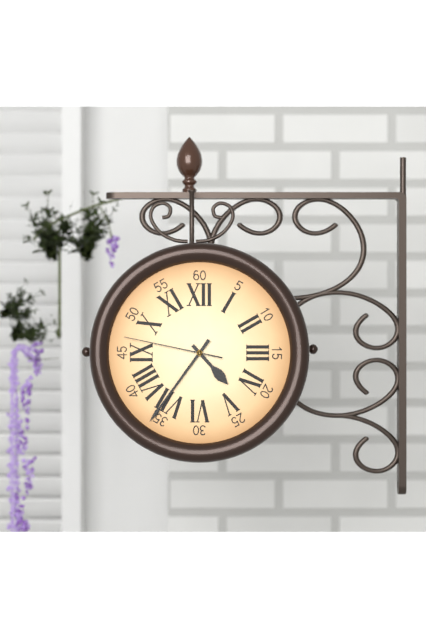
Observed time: **4:36:47**
